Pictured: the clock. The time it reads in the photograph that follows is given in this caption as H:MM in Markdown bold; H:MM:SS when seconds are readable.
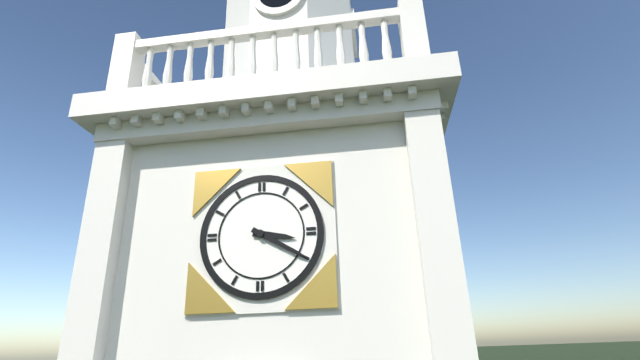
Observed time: **3:20**
